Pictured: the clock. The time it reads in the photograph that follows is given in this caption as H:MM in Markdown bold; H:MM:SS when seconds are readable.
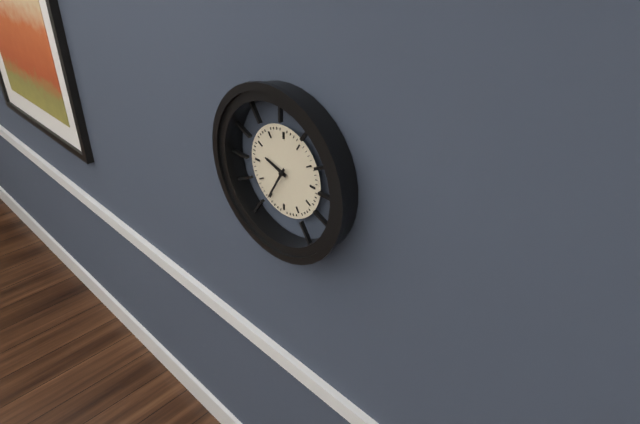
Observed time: **9:35**
